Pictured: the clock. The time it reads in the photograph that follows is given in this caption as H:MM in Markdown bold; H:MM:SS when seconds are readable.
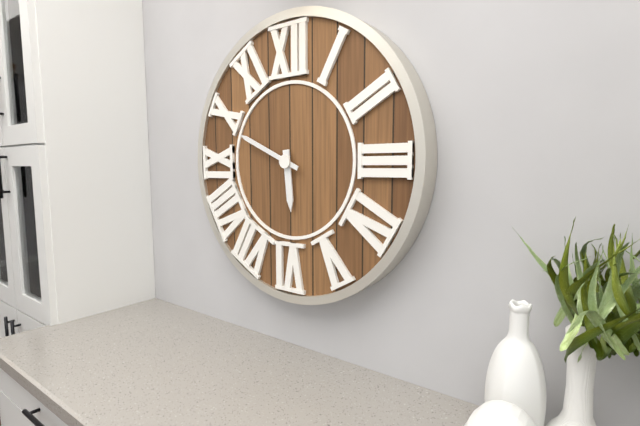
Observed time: **5:49**
